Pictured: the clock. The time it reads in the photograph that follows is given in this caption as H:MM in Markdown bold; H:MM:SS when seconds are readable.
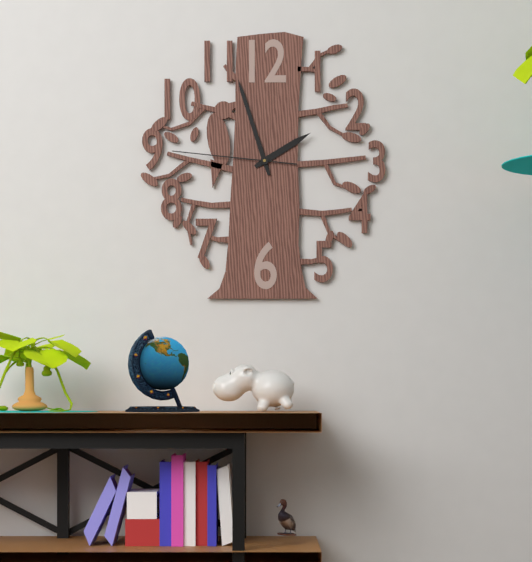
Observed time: **1:57:46**
